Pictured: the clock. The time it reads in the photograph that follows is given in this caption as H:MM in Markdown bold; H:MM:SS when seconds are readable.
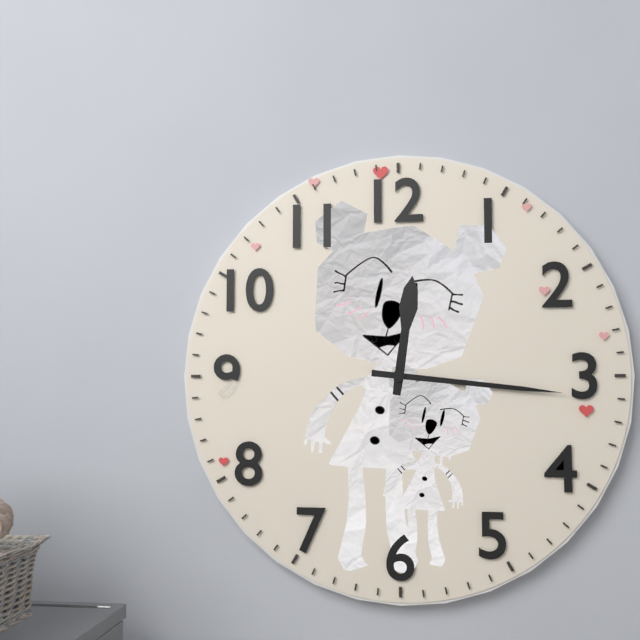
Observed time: **12:16**
